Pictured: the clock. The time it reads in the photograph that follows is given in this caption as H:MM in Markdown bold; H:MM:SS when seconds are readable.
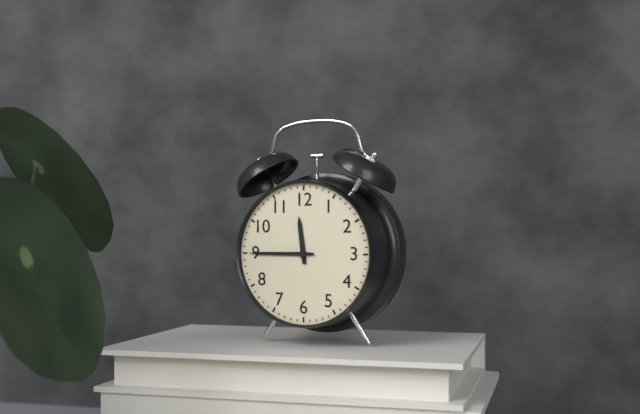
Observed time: **11:45**
